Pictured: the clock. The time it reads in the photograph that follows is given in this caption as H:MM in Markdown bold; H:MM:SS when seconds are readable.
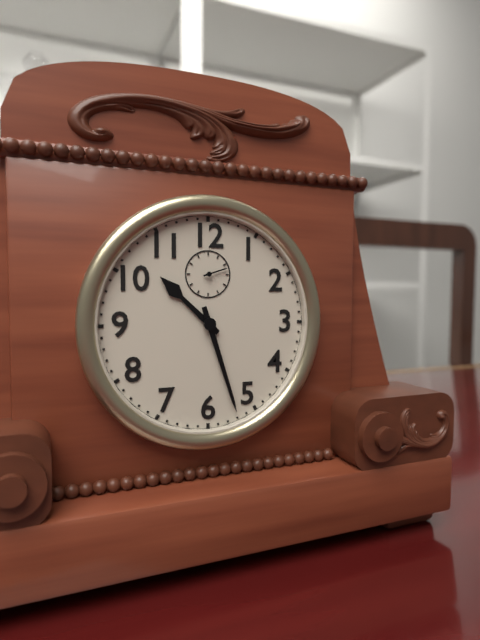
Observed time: **10:27**
